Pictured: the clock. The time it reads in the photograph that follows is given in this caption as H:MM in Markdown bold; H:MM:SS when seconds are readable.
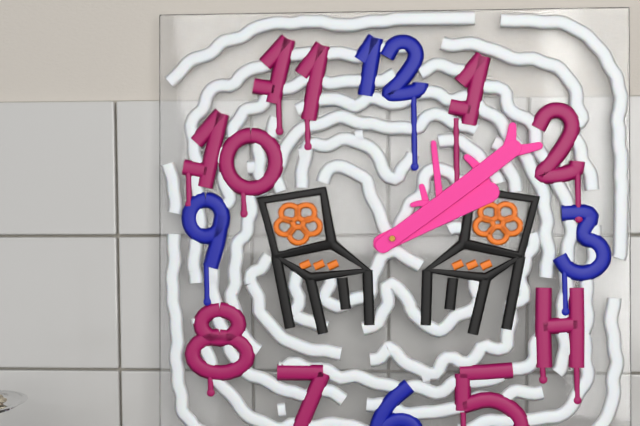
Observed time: **2:09**
